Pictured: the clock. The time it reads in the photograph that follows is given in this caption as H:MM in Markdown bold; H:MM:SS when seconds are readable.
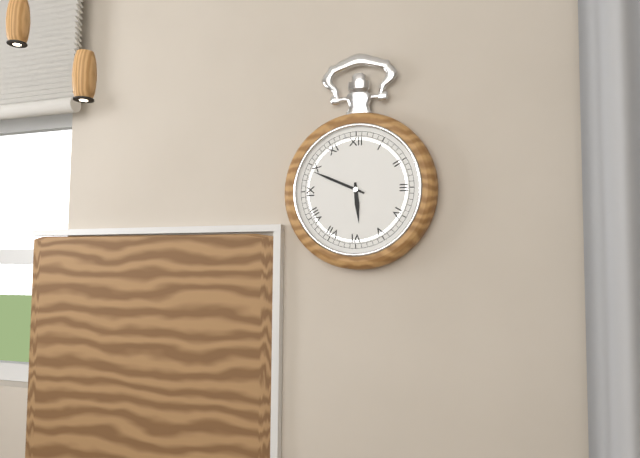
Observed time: **5:49**
